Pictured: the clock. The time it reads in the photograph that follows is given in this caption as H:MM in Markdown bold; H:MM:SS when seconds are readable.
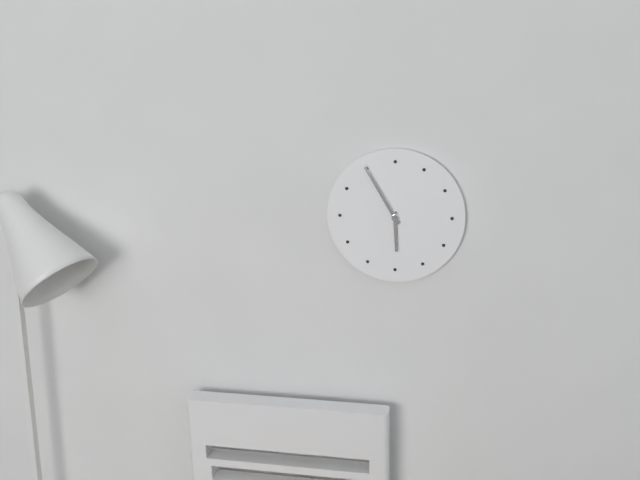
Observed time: **5:55**
